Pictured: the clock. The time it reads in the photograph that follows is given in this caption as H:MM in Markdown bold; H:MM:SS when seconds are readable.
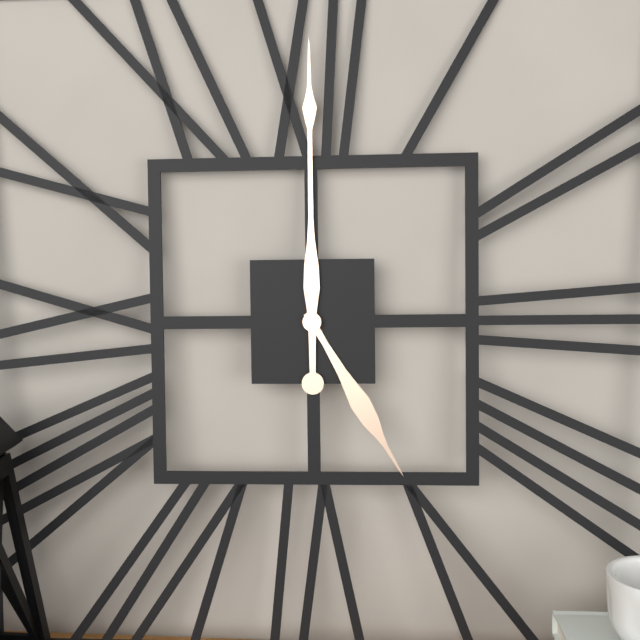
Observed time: **5:00**
